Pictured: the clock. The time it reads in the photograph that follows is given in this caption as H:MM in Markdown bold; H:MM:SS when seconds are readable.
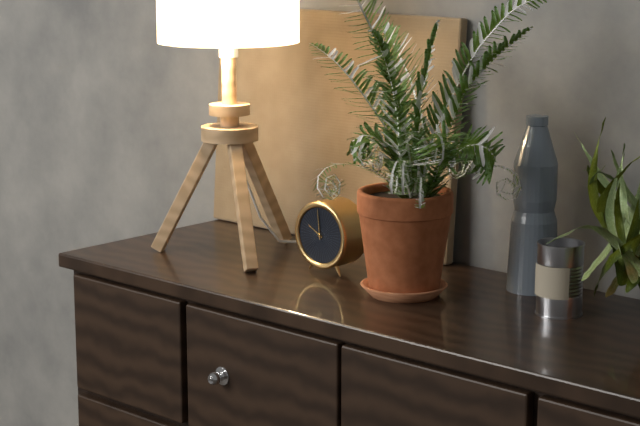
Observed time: **9:59**
